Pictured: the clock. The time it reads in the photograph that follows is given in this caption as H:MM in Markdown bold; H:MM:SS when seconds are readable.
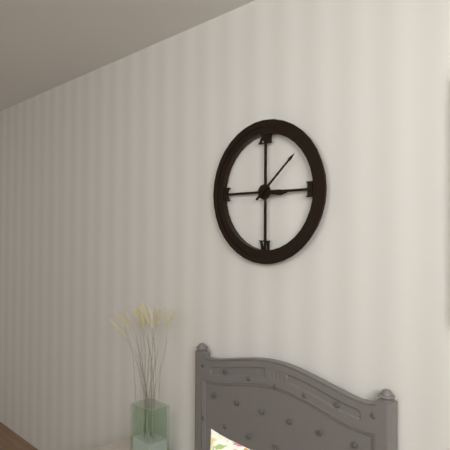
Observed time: **3:08**
